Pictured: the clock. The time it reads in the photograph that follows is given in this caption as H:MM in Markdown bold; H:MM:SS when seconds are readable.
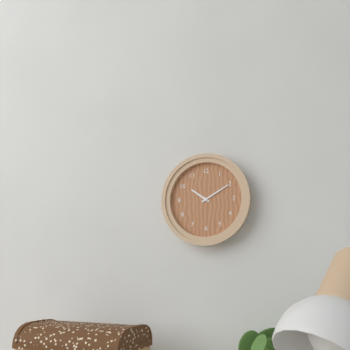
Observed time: **10:10**
